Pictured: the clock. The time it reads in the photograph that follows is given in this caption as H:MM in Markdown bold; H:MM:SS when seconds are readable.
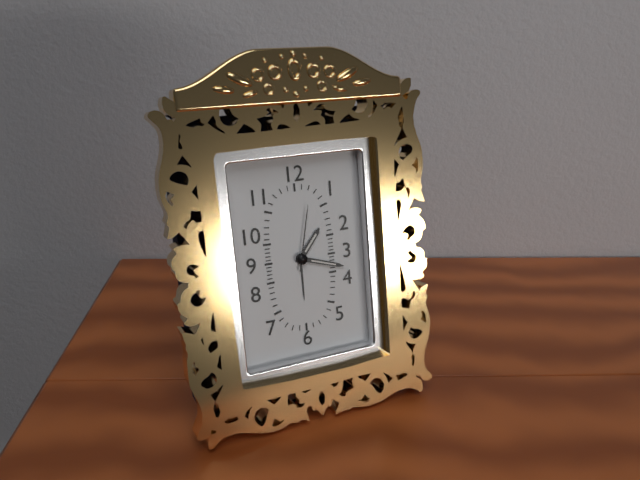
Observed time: **1:18:02**
